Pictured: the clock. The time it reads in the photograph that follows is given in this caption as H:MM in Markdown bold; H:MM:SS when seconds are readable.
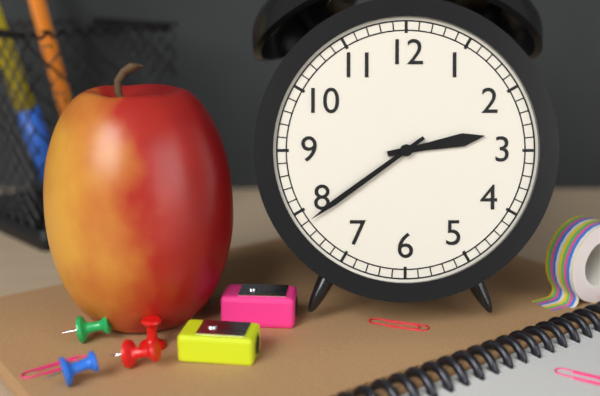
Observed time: **2:39**
